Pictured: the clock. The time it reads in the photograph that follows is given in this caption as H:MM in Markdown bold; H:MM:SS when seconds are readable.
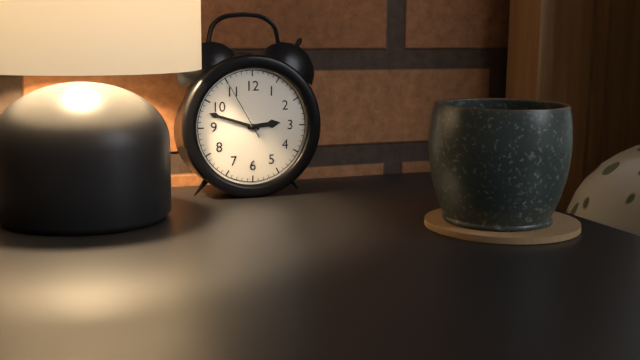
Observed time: **2:48:55**
